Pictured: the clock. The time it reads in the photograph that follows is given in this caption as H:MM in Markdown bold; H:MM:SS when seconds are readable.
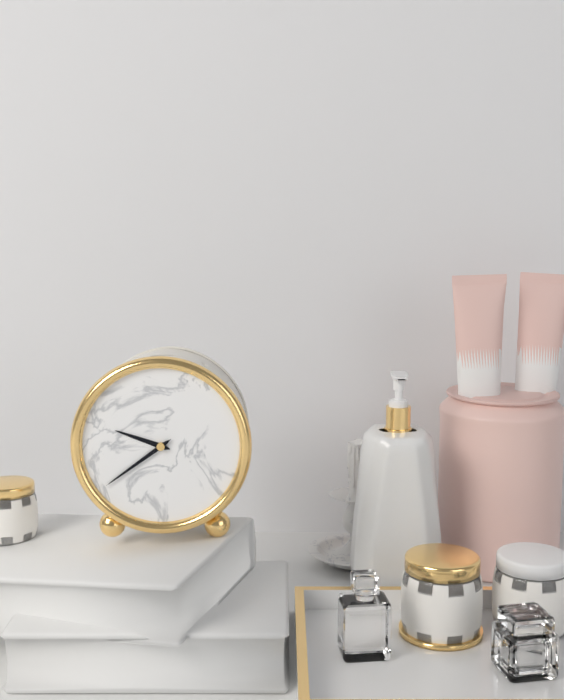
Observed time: **9:39**
